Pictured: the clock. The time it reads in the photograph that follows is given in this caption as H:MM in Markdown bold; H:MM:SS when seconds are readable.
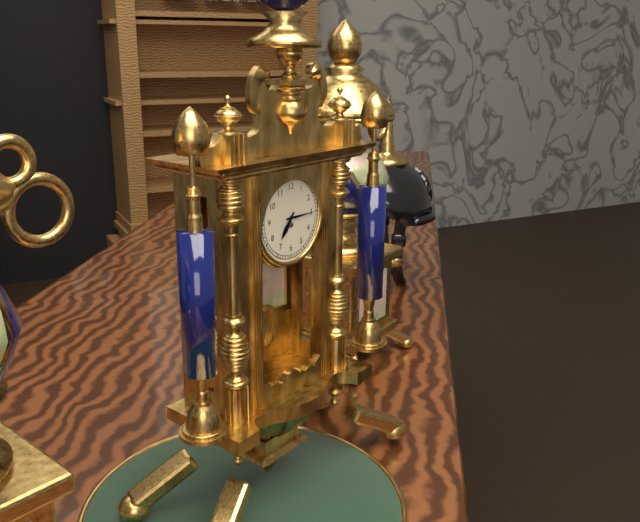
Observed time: **7:15**
